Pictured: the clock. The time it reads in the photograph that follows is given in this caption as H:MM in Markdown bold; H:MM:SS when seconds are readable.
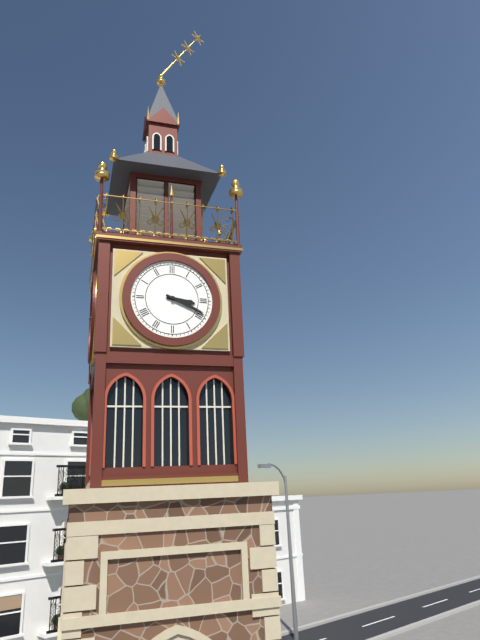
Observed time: **3:19**
